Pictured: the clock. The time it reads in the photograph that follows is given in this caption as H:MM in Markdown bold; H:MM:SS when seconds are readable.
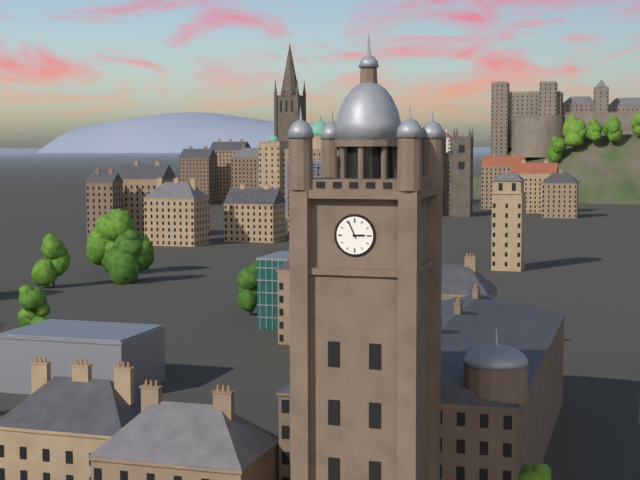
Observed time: **2:56**
